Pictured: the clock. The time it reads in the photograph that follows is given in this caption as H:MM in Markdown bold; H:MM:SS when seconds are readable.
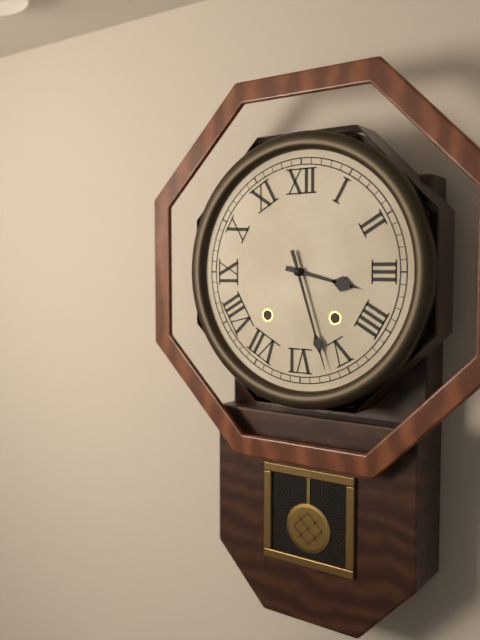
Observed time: **3:27**
